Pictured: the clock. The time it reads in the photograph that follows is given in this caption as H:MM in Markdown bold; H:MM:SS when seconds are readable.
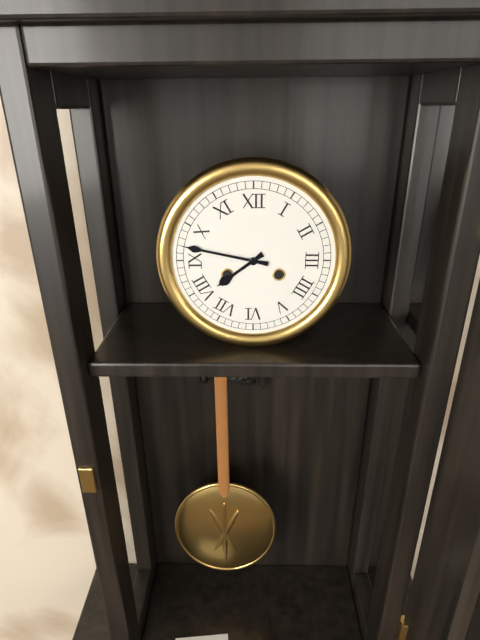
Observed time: **7:47**
